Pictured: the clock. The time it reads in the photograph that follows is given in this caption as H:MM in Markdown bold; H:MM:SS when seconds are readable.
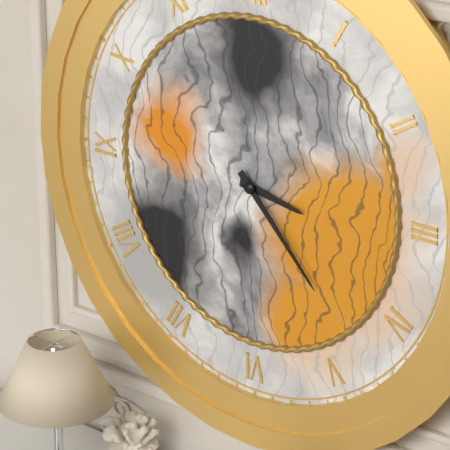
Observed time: **3:23**
